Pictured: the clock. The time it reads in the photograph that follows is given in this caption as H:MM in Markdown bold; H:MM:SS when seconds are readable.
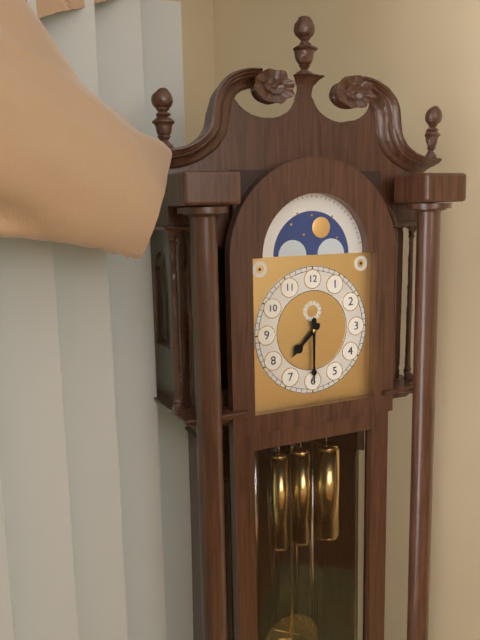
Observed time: **7:30**
